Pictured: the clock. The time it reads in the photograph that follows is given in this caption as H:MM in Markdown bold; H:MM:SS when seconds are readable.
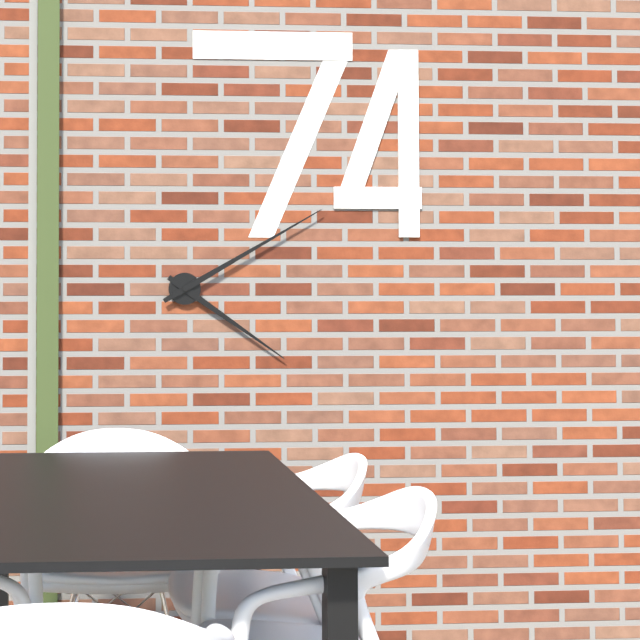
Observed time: **4:10**
